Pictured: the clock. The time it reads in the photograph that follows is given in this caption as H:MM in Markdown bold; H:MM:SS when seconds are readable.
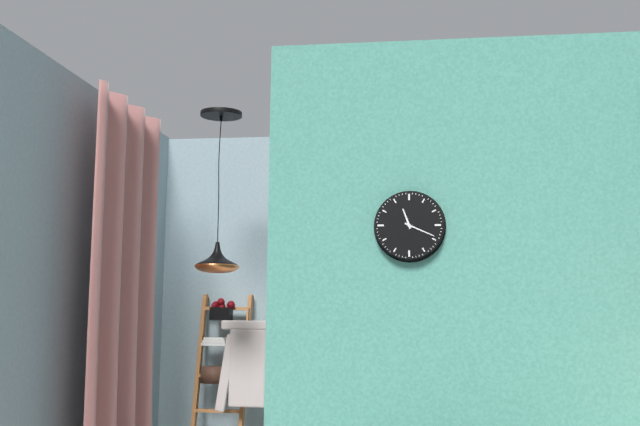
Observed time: **11:19**
